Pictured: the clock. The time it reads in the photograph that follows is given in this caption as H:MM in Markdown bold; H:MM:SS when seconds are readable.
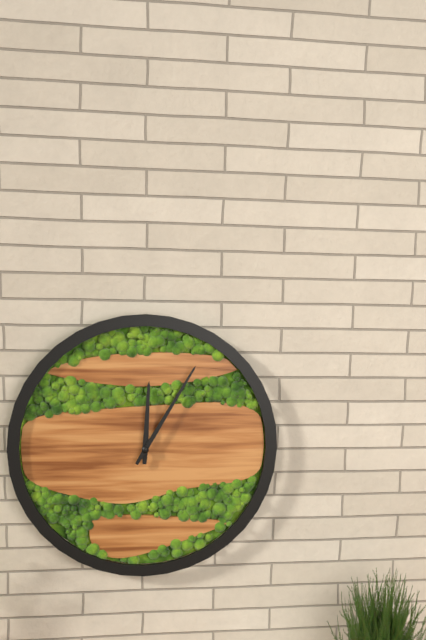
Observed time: **12:05**
